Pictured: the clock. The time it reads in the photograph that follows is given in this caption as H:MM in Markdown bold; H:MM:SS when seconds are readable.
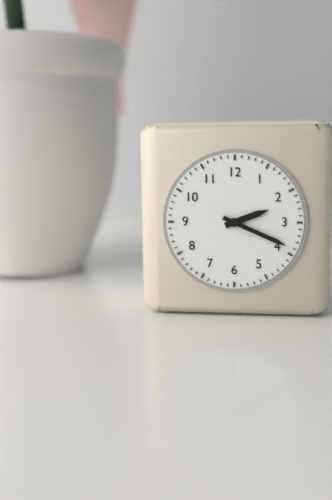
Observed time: **2:19**
